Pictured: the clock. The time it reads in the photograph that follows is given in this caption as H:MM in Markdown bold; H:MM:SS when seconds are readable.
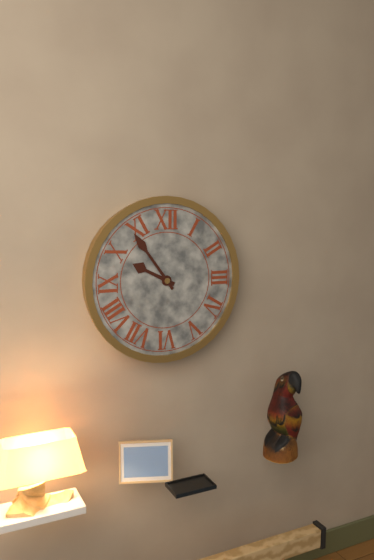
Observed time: **9:54**
